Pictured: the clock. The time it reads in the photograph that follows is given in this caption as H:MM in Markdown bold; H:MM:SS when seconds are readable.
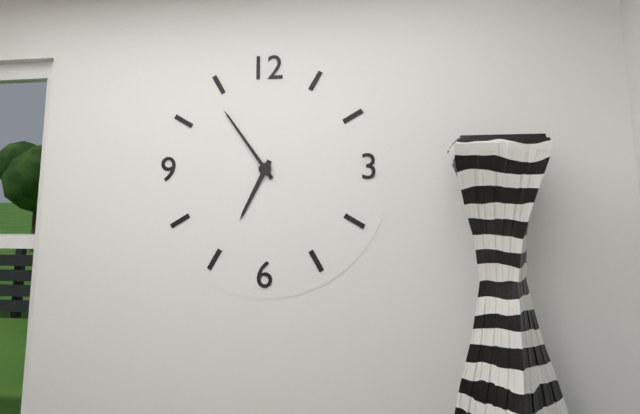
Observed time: **6:54**
